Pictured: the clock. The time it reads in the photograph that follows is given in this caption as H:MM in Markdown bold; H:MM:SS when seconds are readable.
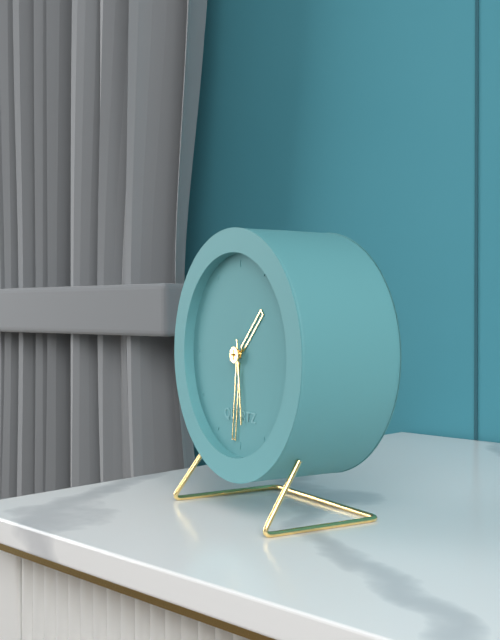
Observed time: **1:31:29**
